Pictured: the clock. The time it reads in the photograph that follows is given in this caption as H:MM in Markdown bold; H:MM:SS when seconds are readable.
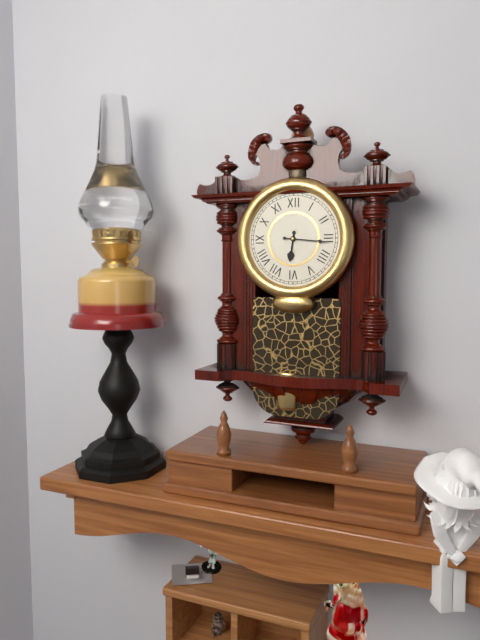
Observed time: **6:16**
